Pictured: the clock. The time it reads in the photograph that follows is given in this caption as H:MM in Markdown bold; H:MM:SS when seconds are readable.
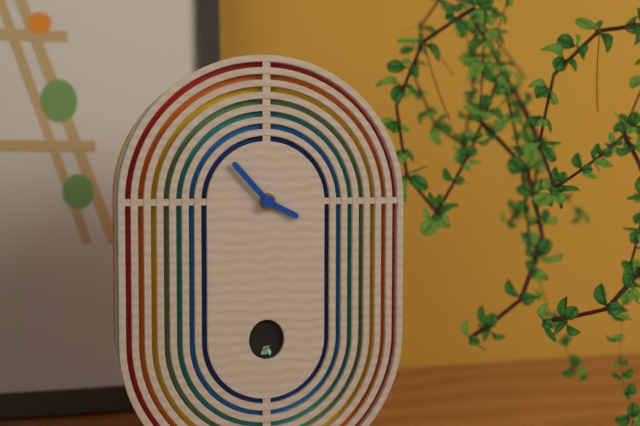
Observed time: **3:53**
